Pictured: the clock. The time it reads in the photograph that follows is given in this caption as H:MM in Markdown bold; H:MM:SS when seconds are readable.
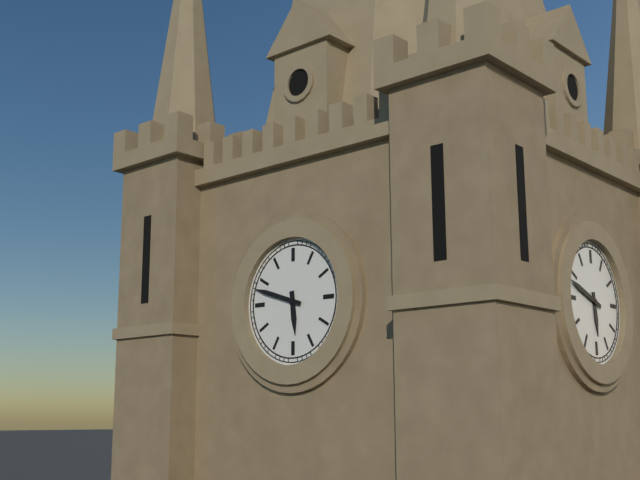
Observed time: **5:48**
